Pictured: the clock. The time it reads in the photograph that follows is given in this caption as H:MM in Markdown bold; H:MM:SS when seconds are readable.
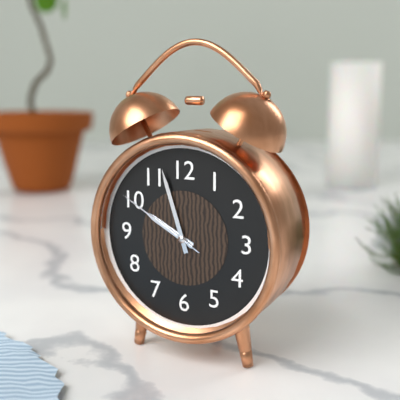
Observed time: **9:57:50**
